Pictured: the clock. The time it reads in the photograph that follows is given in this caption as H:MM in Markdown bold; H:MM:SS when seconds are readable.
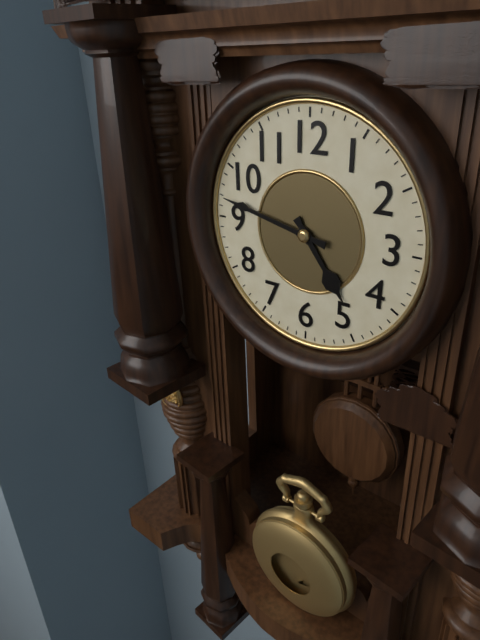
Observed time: **4:47**
